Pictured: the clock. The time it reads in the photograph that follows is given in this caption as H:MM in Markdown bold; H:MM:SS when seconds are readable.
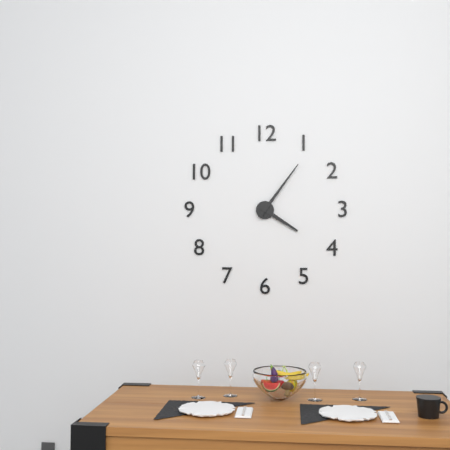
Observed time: **4:06**
